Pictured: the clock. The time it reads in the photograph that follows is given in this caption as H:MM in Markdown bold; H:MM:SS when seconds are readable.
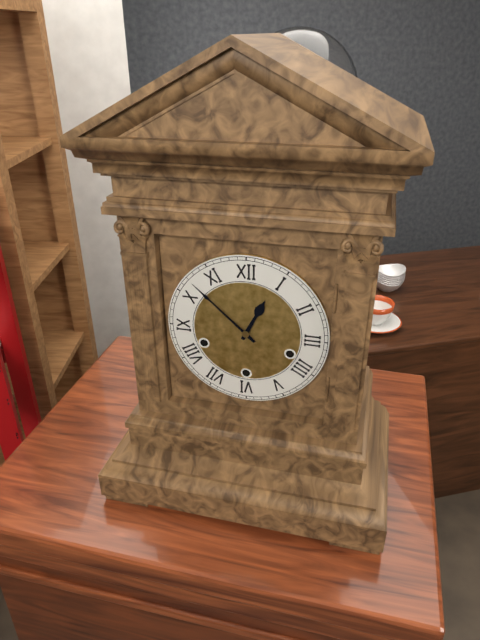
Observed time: **12:52**
